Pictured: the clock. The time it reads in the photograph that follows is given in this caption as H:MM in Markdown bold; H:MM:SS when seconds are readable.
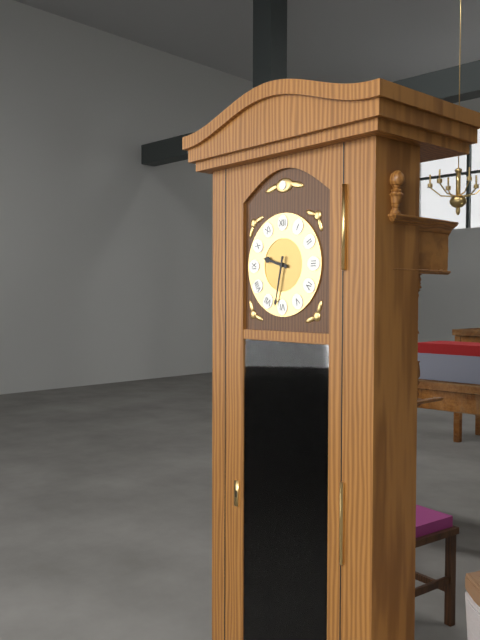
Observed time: **9:32**
